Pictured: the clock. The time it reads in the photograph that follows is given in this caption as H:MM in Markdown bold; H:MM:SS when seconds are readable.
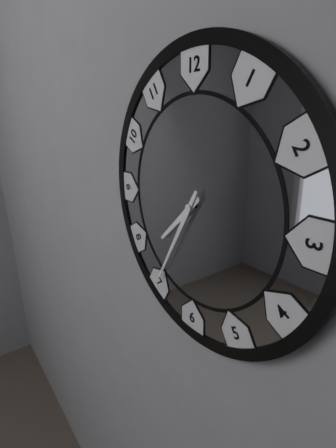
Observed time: **7:35**
